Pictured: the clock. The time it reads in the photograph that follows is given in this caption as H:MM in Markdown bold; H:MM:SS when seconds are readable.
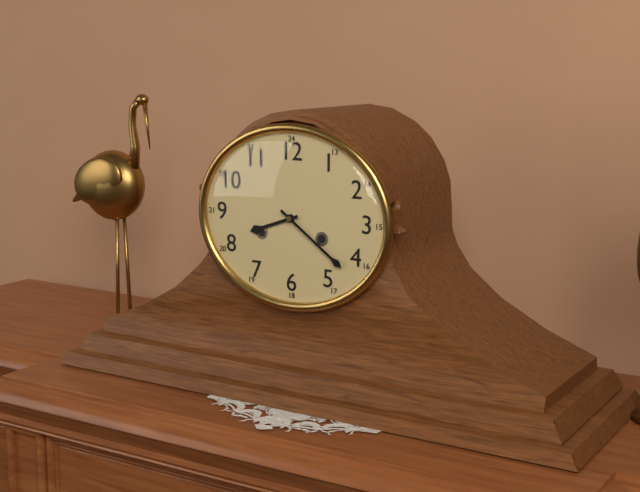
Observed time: **8:21**
